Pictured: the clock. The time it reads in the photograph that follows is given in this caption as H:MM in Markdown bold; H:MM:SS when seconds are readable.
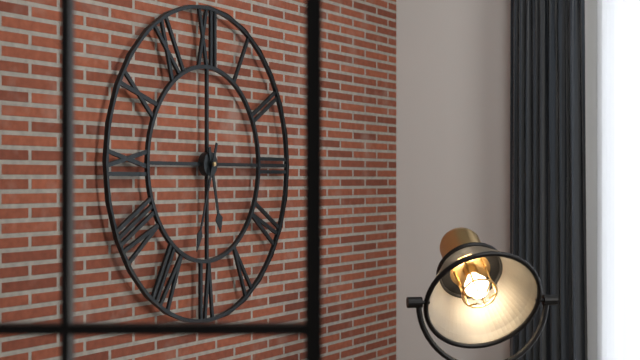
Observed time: **5:33**
